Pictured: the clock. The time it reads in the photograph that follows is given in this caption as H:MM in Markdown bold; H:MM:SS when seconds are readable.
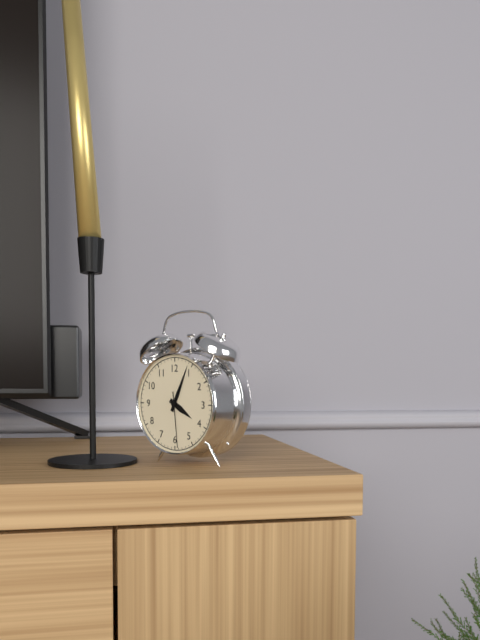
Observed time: **4:04:29**
